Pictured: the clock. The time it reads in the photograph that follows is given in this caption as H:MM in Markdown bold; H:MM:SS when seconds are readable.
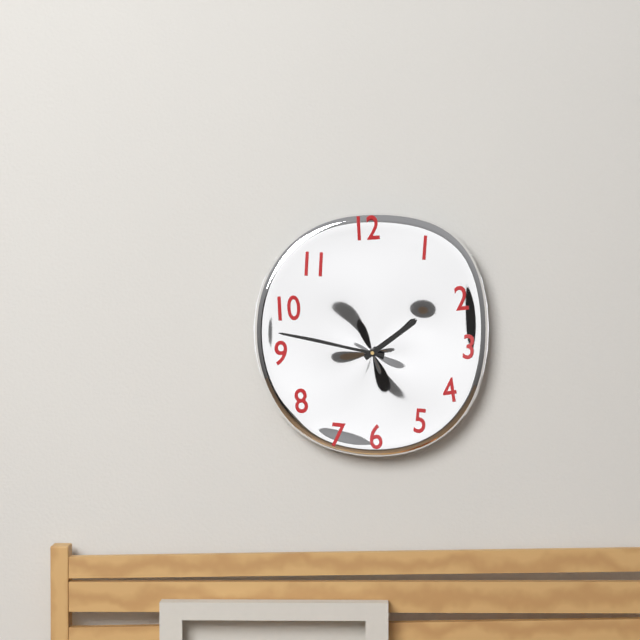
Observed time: **1:47**
